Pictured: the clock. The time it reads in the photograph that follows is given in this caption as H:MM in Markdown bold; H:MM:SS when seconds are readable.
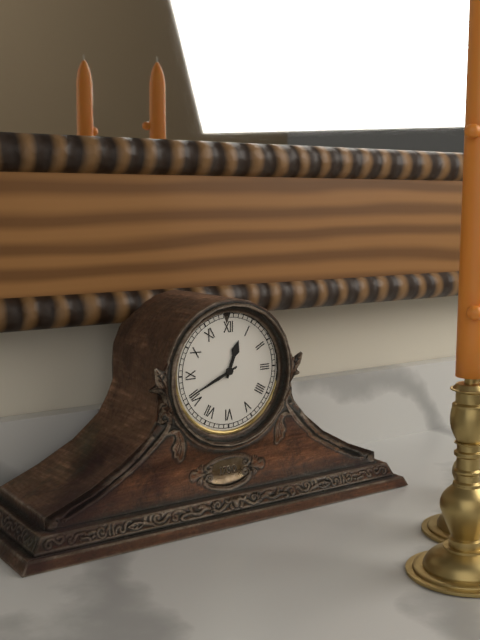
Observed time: **12:41**
